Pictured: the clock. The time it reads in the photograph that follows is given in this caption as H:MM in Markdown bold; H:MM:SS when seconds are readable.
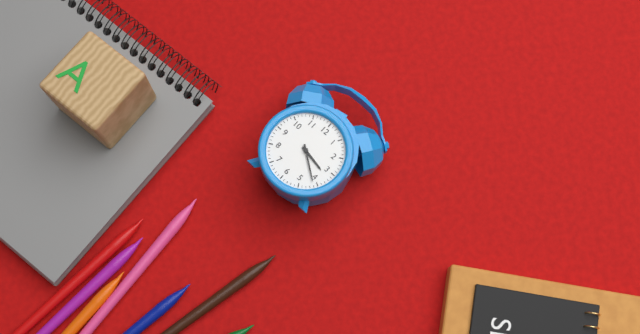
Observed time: **3:21**
